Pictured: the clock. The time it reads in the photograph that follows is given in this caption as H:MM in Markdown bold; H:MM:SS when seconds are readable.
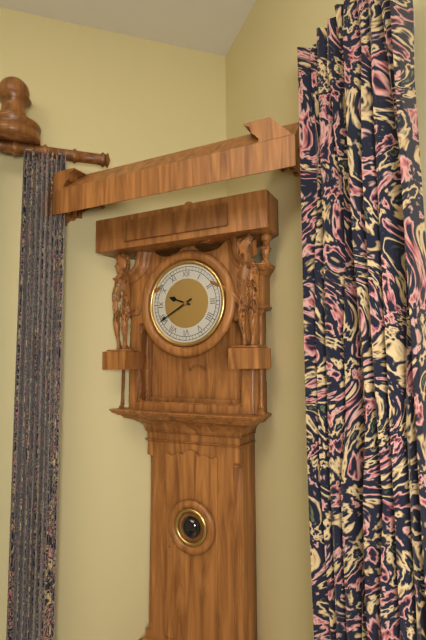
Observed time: **9:40**
